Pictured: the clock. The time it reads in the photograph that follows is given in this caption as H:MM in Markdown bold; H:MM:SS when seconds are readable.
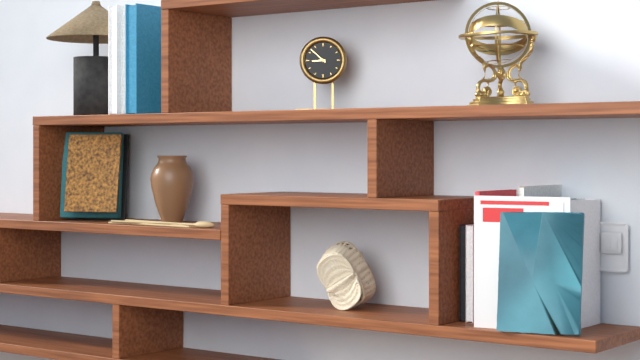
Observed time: **8:52**
